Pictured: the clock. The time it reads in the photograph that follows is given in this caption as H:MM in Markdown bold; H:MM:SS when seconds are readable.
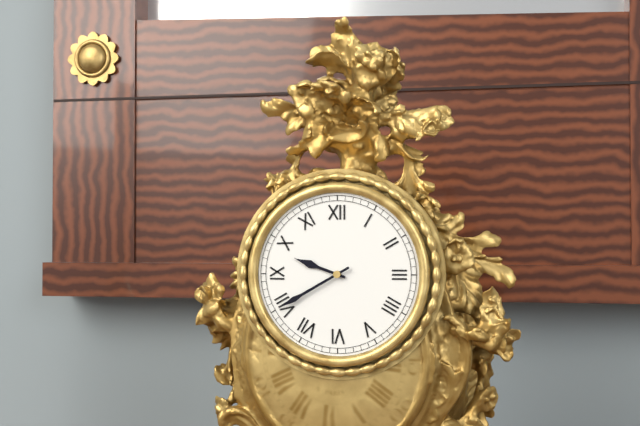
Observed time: **9:40**
